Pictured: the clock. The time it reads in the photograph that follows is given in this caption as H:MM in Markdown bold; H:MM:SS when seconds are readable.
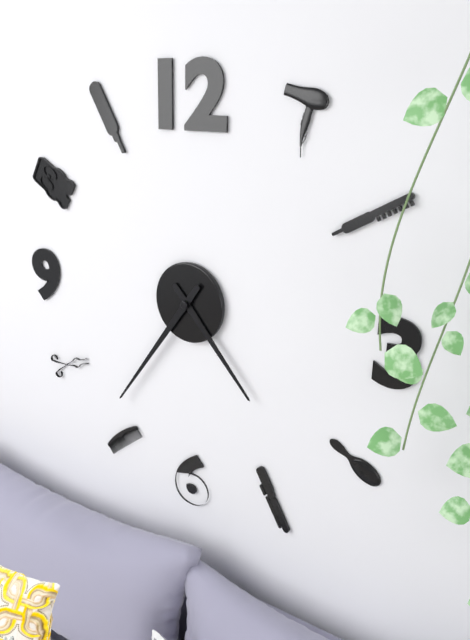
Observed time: **4:36**
